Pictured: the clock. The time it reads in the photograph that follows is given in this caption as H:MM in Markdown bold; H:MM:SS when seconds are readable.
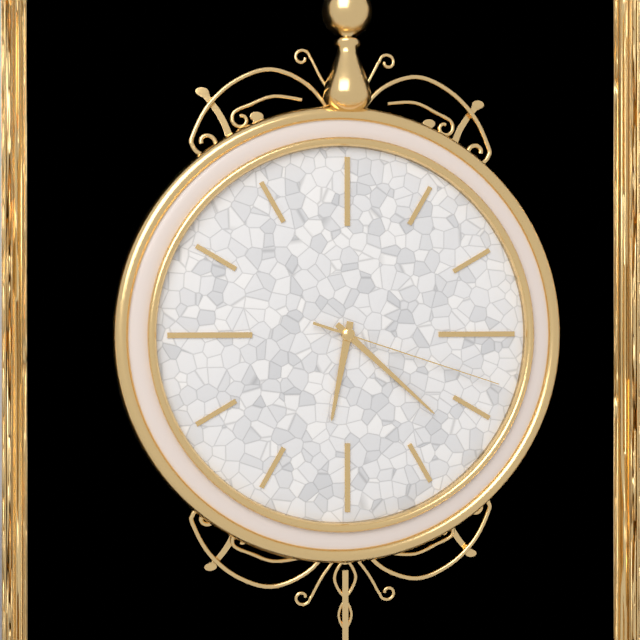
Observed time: **6:22:18**
